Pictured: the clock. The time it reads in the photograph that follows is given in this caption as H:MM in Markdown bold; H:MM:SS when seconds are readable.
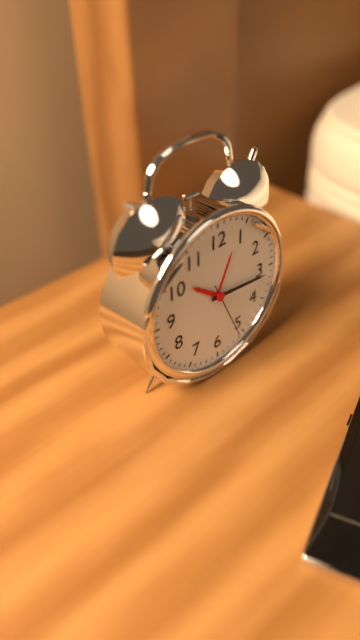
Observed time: **10:16:26**
